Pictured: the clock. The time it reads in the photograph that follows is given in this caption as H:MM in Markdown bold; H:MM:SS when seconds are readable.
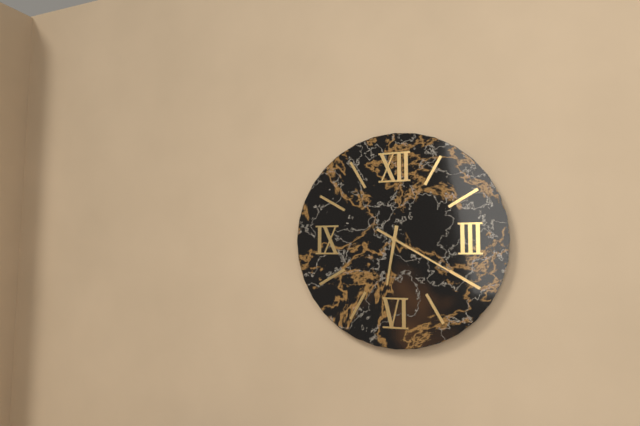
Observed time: **6:20**
